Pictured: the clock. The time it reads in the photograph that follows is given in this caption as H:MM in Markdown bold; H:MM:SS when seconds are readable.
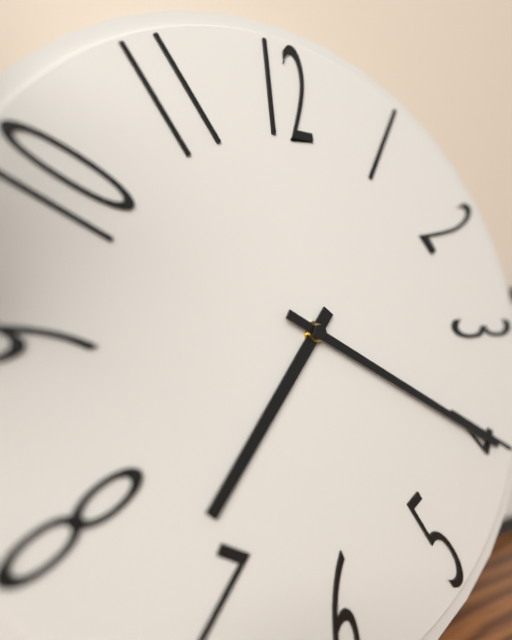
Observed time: **7:20**
